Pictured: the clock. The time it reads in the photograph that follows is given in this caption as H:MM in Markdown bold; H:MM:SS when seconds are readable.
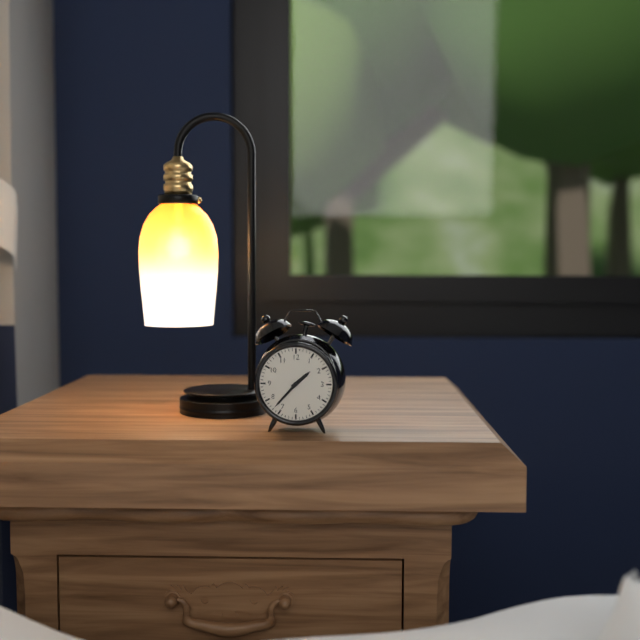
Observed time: **1:37**
